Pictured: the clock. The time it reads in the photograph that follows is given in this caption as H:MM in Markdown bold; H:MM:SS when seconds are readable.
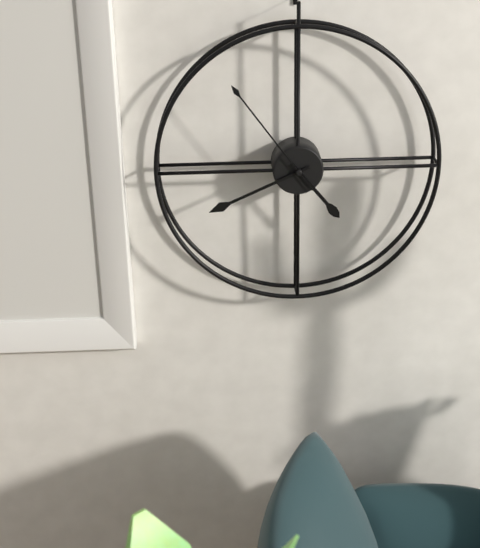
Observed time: **4:41:54**
